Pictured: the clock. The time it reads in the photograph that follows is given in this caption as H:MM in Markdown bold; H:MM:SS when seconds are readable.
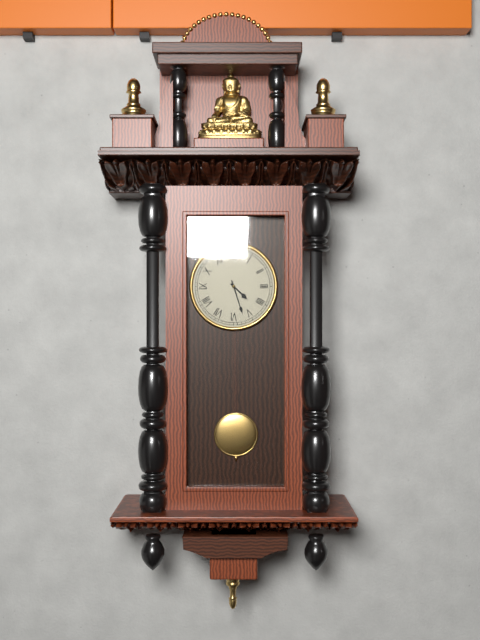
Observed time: **4:27**
